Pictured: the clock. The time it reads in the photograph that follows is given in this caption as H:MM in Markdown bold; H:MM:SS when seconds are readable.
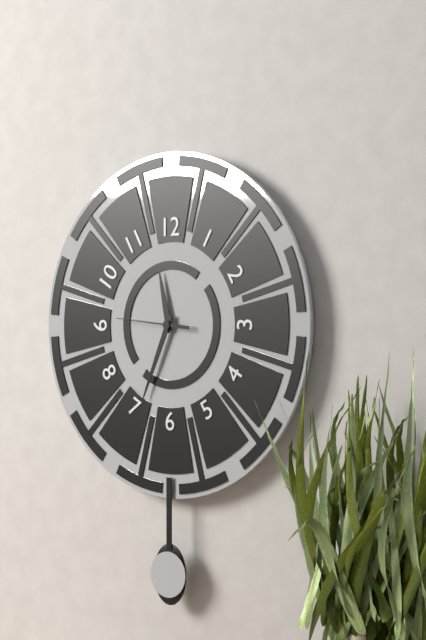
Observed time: **11:34:46**
